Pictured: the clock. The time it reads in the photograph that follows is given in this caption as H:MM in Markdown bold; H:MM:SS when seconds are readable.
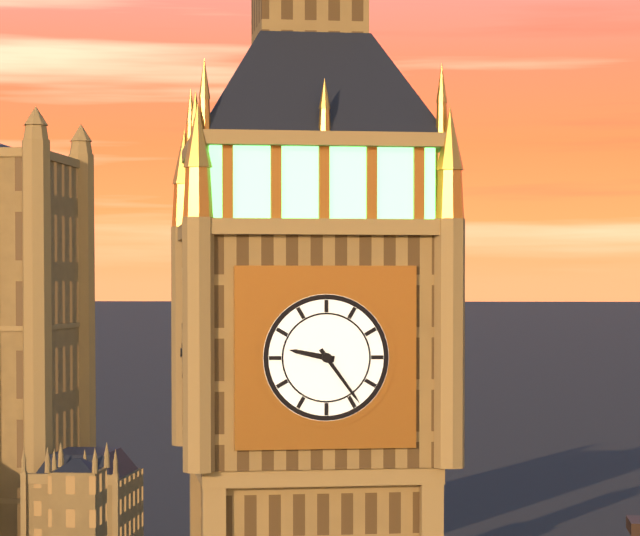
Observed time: **9:24**
